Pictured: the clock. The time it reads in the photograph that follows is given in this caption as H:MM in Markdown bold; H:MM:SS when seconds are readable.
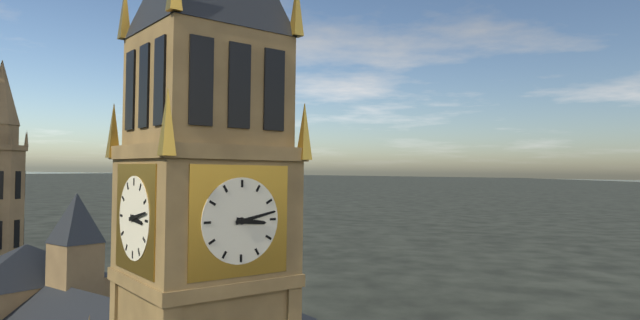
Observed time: **3:13**
